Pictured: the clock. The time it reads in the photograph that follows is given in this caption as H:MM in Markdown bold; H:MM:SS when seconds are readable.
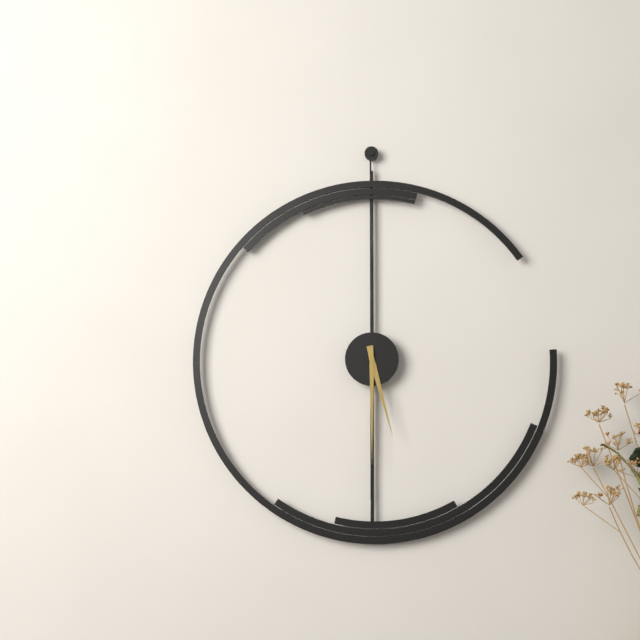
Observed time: **5:30**
